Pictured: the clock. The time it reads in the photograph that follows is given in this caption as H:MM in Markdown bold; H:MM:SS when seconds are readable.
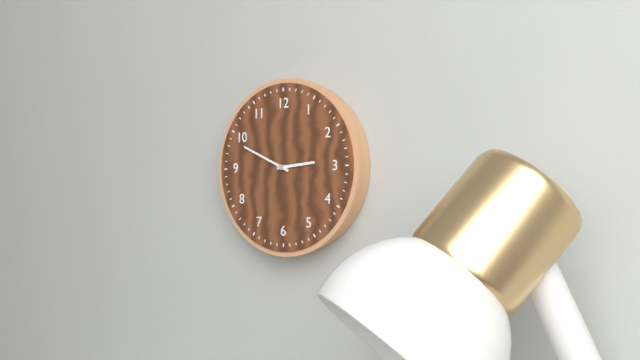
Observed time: **2:49**
